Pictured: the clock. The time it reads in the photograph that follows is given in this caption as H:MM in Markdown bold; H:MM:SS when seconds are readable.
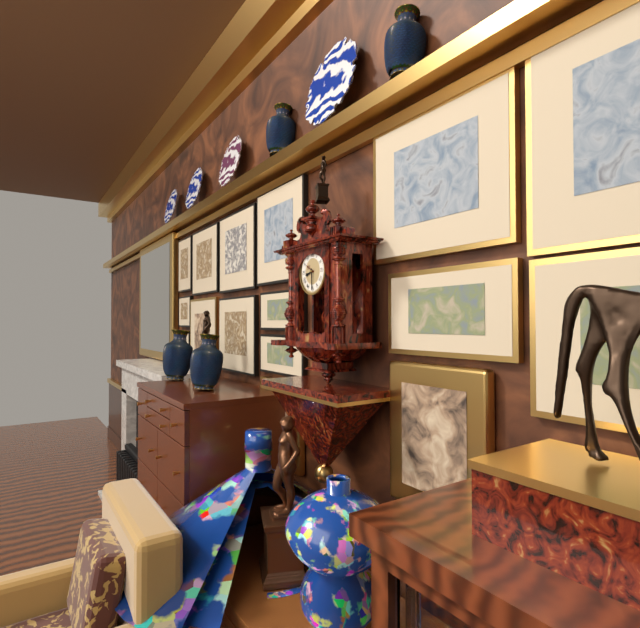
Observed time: **8:30**
